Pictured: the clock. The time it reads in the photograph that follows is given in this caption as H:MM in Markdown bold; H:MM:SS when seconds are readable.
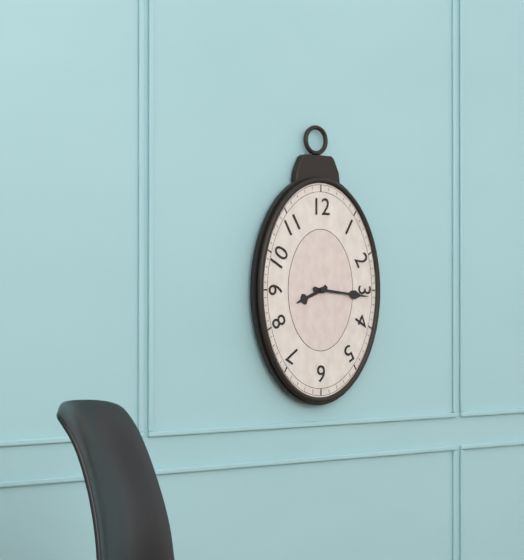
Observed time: **8:16**
